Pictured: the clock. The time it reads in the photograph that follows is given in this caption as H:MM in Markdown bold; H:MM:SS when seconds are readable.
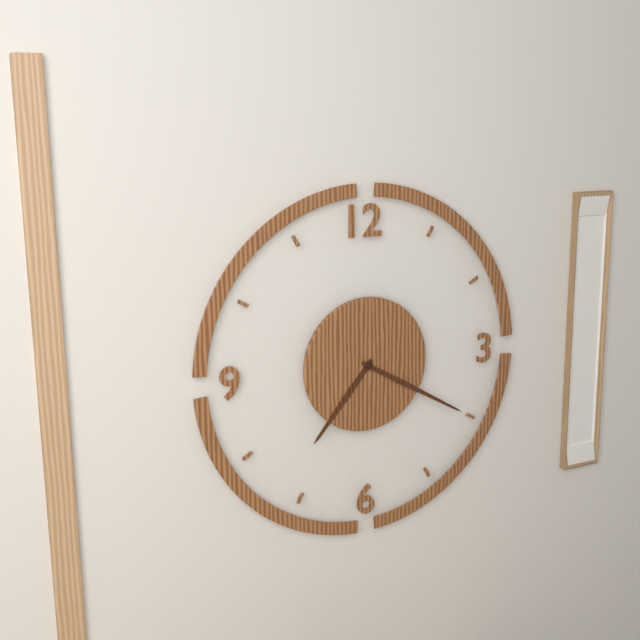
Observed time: **7:20**
